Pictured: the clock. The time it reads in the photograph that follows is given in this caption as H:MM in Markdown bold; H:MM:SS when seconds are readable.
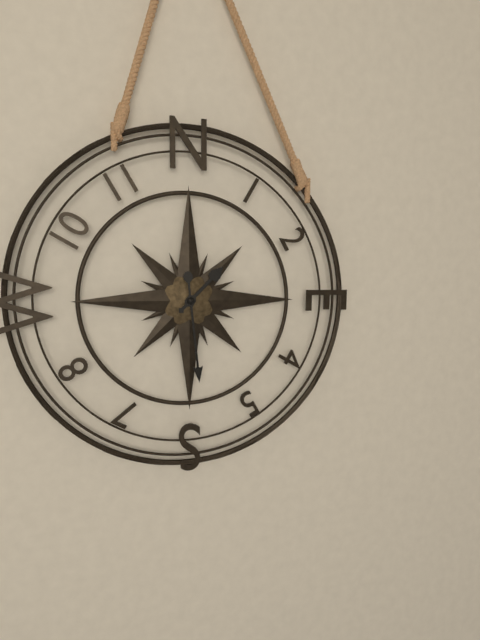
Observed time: **1:29**
